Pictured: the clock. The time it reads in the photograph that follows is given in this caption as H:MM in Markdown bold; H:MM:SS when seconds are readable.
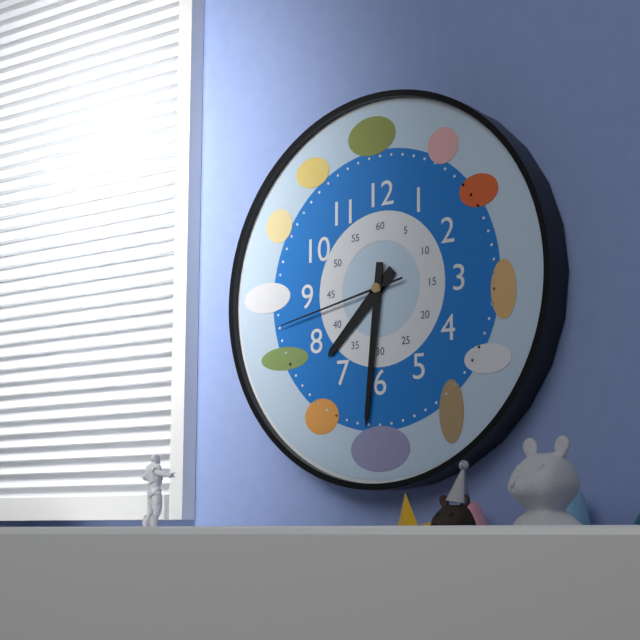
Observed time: **7:31:43**
